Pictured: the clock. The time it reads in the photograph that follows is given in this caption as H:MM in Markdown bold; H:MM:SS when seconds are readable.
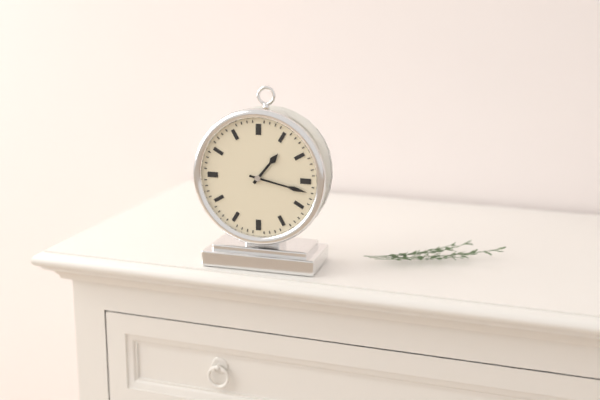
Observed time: **1:17**
